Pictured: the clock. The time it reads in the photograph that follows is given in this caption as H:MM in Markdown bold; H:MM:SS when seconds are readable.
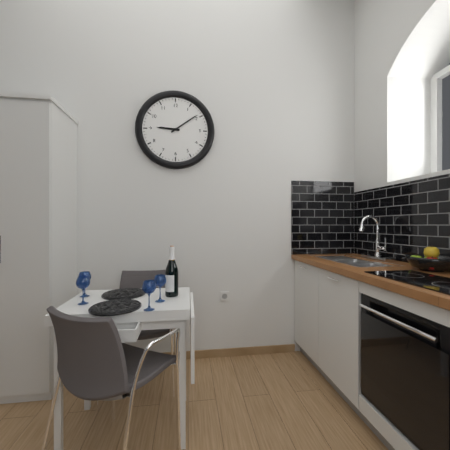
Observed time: **9:09**
